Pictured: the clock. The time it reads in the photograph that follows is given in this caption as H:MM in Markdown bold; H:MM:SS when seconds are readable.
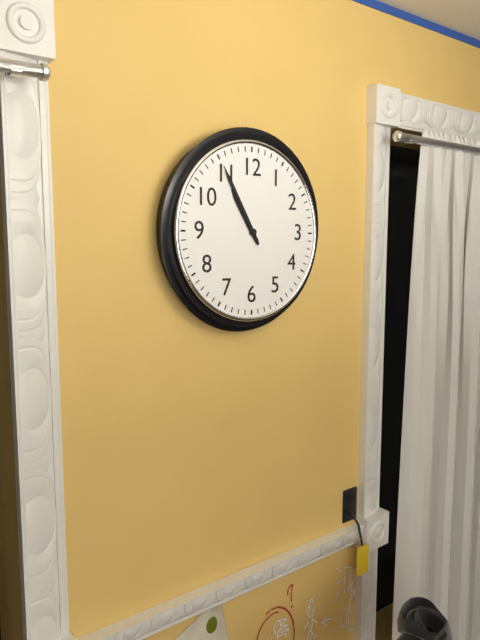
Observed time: **10:55**
